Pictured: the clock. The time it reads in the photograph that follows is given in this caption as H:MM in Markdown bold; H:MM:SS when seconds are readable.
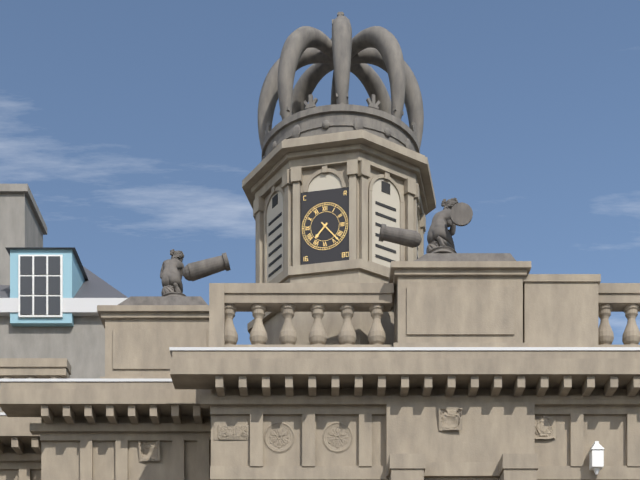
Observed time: **7:23**
